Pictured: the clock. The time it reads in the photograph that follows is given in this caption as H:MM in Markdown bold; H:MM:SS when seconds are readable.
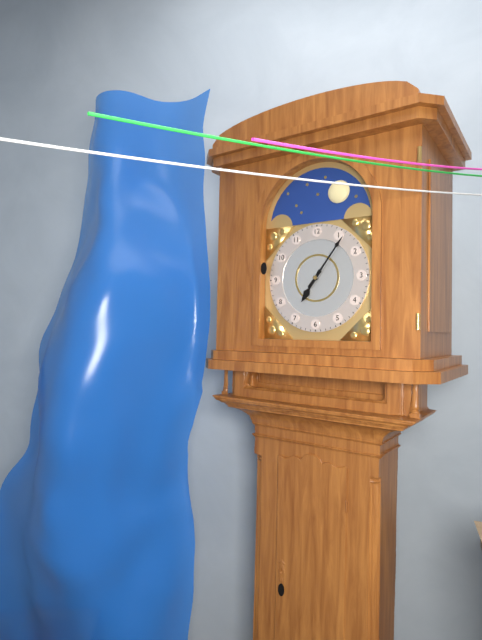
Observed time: **7:06**
